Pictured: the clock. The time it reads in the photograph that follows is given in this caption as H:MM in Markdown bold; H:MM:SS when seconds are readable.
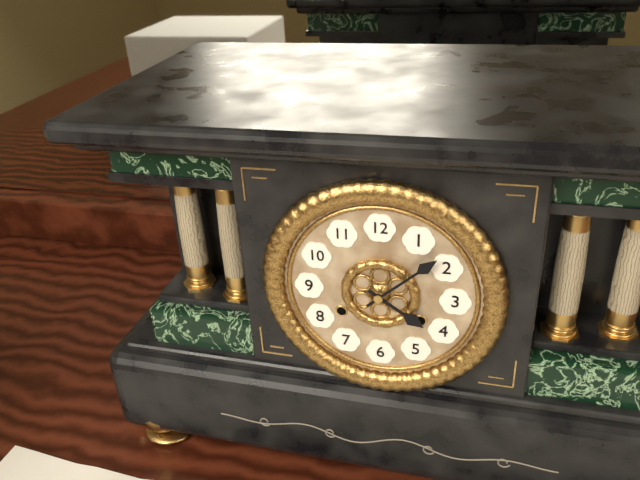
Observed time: **4:08**
